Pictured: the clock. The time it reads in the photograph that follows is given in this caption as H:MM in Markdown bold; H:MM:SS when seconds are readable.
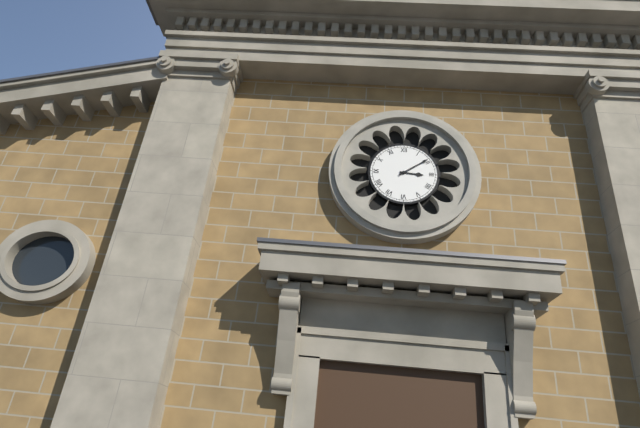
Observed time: **3:09**
